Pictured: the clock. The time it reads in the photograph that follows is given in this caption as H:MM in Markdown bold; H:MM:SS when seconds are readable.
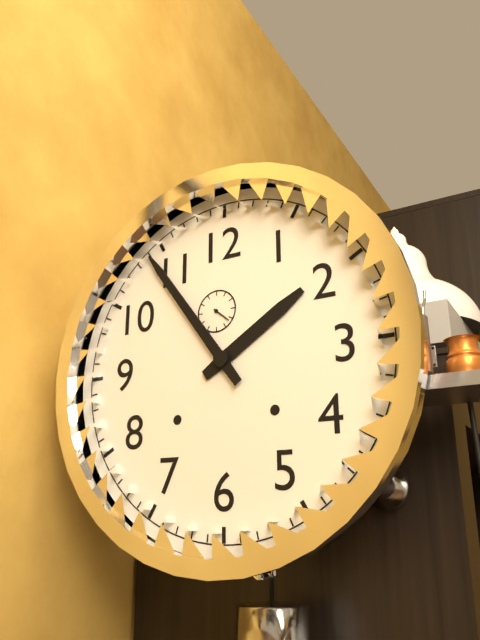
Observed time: **1:54**
